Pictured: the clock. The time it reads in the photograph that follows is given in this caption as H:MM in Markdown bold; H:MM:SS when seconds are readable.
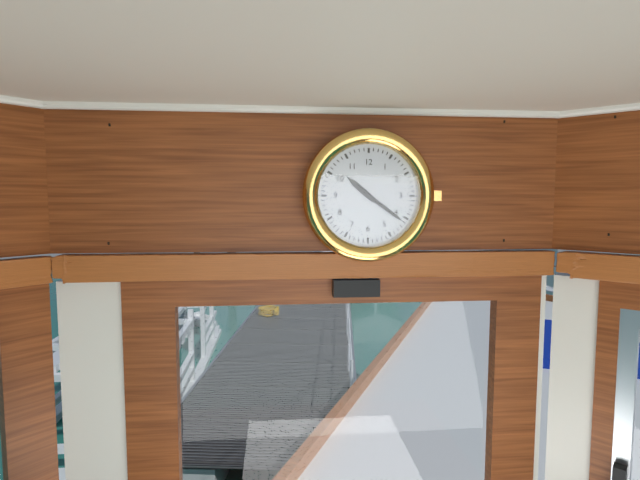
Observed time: **10:21**
